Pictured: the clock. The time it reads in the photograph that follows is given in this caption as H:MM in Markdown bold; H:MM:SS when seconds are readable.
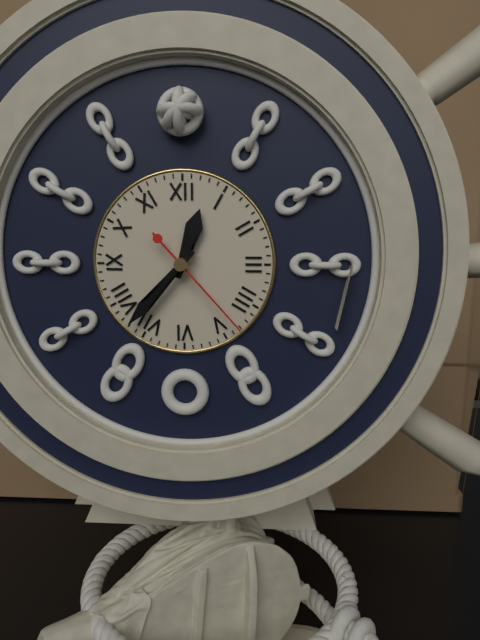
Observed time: **12:37:23**
